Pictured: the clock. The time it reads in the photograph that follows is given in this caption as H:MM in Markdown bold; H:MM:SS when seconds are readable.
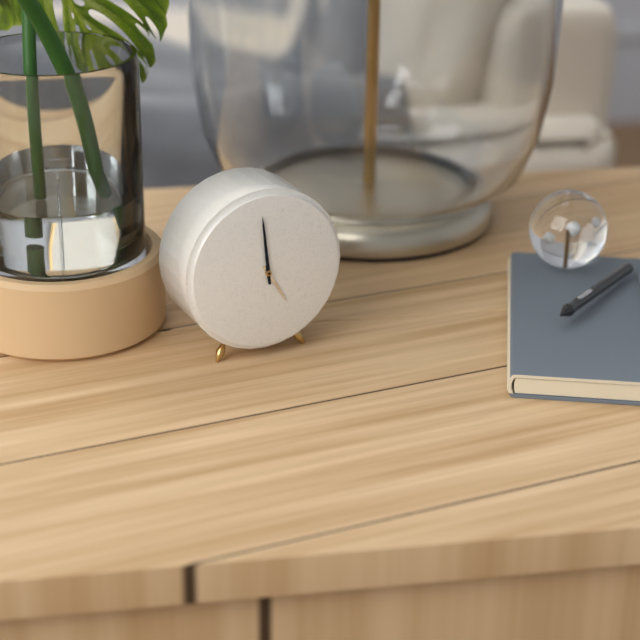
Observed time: **4:59**
